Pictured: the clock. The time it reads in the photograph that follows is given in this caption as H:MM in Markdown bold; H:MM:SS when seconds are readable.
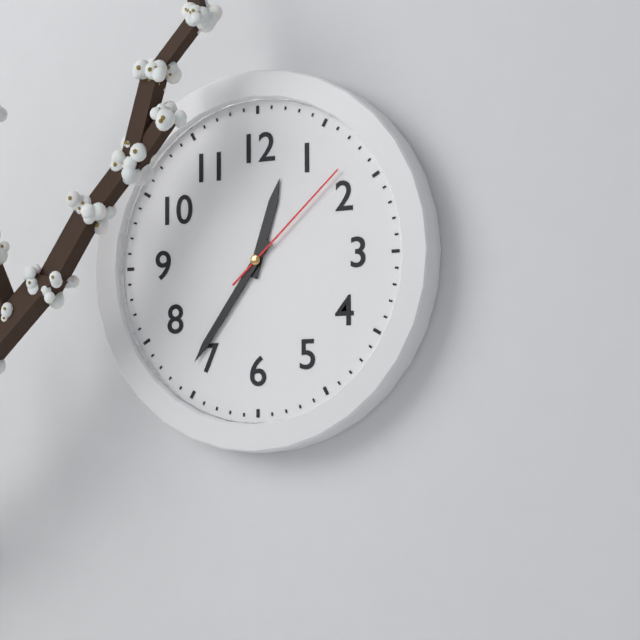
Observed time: **12:36:08**
